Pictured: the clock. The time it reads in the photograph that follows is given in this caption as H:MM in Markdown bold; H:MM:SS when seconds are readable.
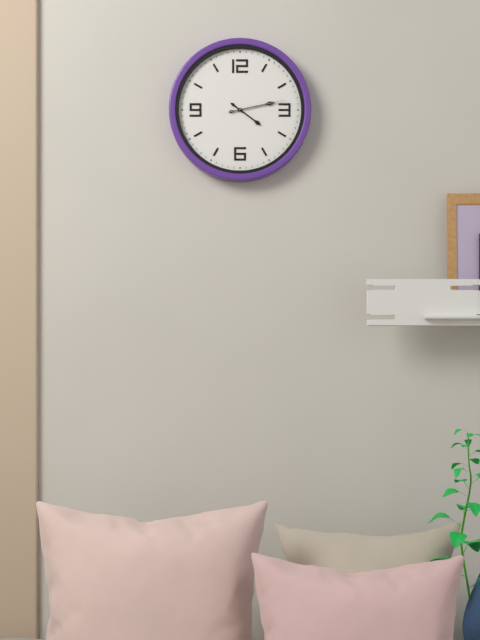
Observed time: **4:13:13**
